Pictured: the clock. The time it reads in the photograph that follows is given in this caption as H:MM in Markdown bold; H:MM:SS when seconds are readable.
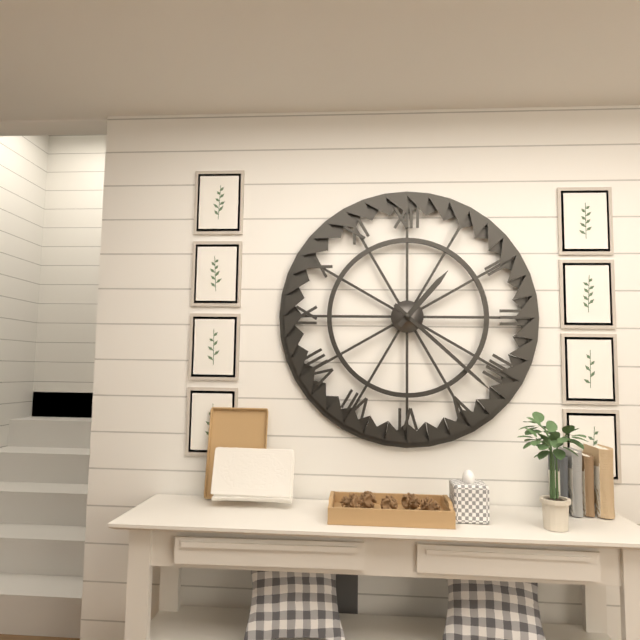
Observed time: **1:22**
